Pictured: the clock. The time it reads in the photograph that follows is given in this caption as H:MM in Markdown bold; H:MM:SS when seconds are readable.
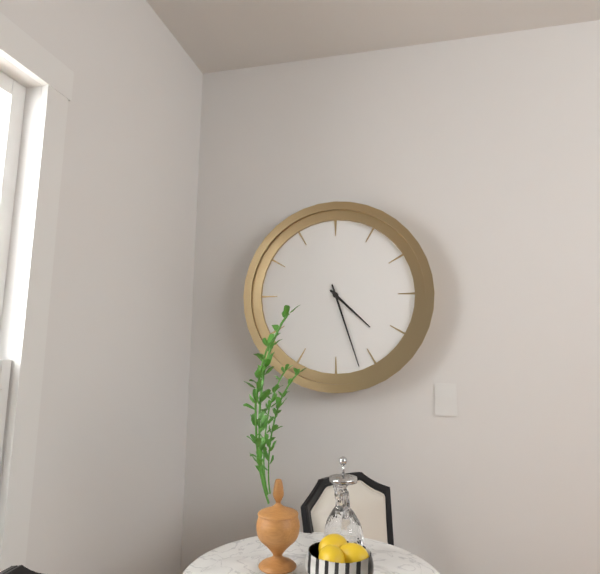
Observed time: **4:27**
